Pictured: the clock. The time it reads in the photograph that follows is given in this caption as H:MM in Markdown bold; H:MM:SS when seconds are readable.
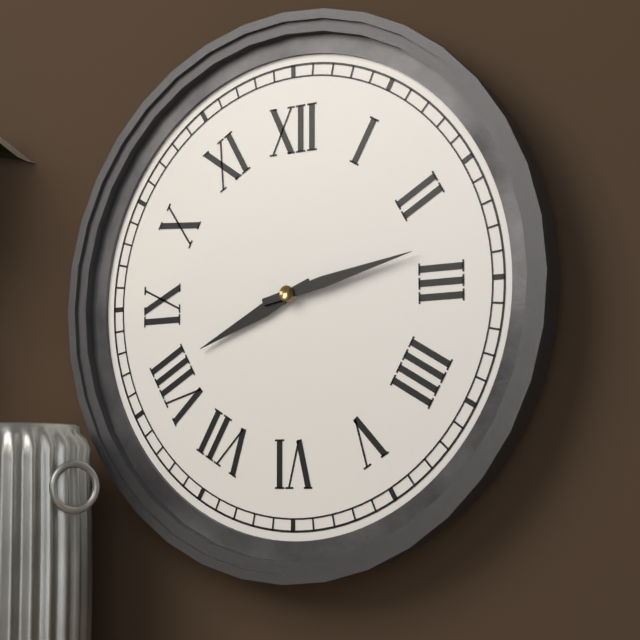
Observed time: **8:13**
